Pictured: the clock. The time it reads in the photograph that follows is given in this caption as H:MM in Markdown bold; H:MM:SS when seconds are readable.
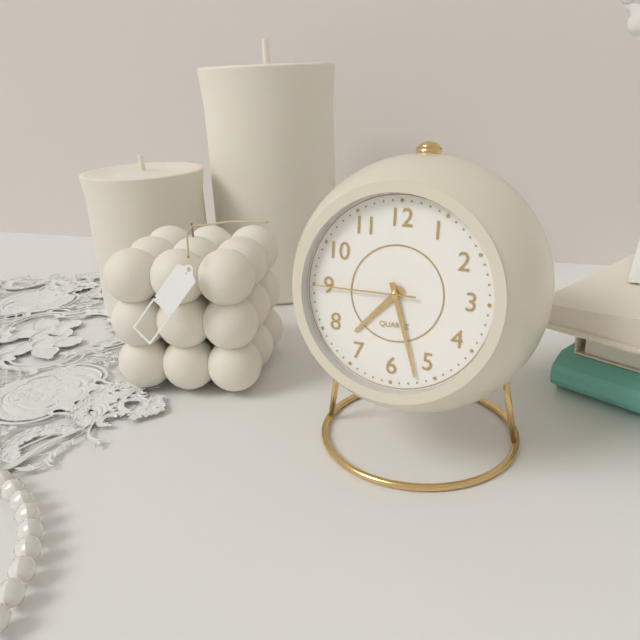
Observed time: **7:27:45**
